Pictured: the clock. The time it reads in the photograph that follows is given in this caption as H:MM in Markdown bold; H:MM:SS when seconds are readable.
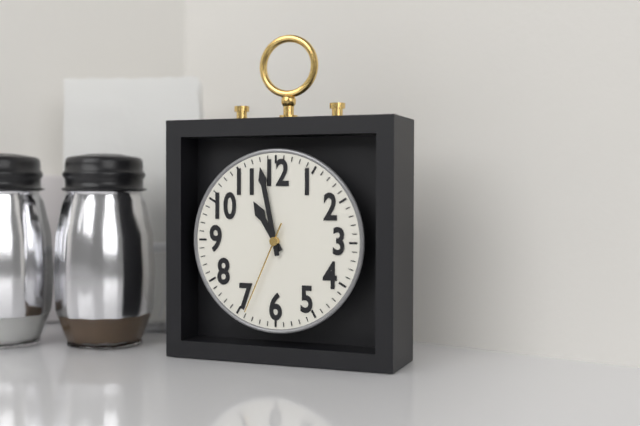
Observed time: **10:58:34**
